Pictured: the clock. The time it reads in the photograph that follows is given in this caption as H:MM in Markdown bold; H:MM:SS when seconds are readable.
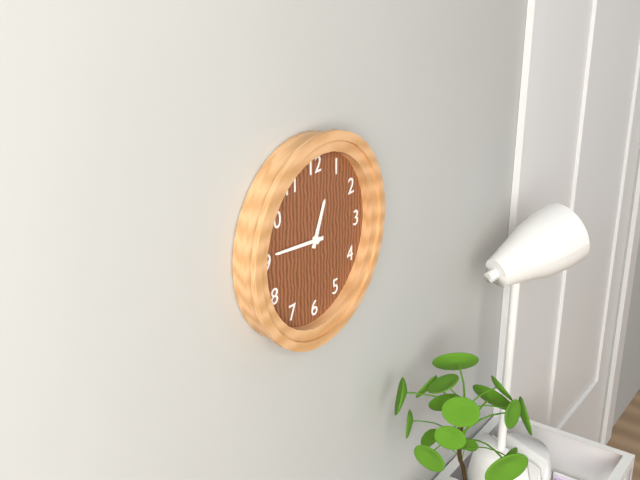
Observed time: **12:46**
